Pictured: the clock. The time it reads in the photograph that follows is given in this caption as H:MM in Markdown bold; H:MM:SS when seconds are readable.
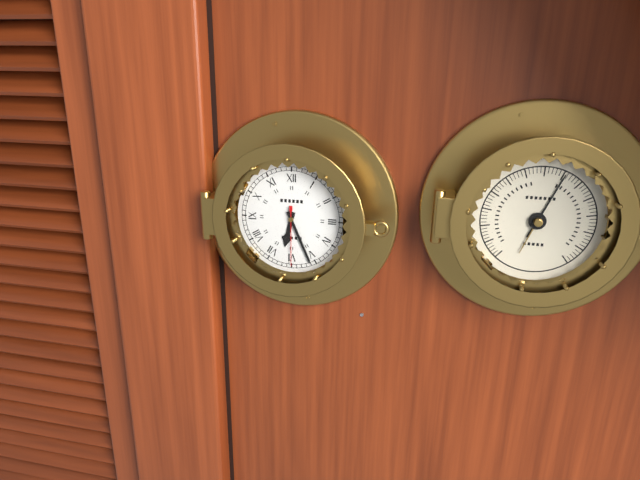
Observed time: **6:26:30**
